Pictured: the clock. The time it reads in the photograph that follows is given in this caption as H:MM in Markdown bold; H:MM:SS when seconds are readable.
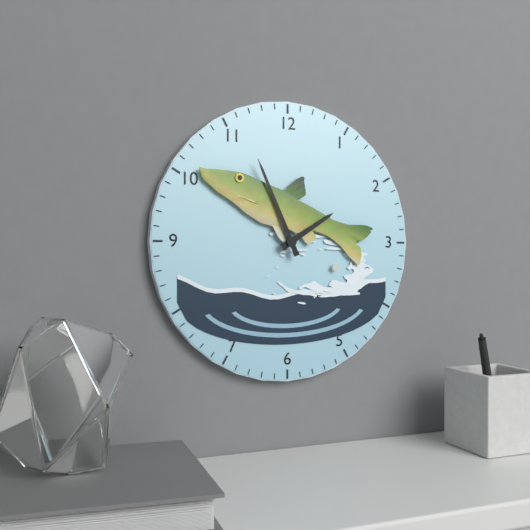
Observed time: **1:56**
